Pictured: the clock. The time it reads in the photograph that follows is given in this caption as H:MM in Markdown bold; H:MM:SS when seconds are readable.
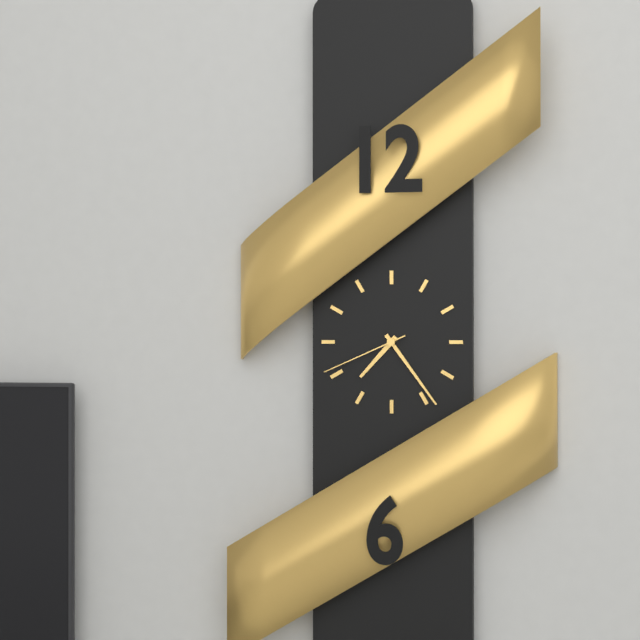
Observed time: **7:24:41**
